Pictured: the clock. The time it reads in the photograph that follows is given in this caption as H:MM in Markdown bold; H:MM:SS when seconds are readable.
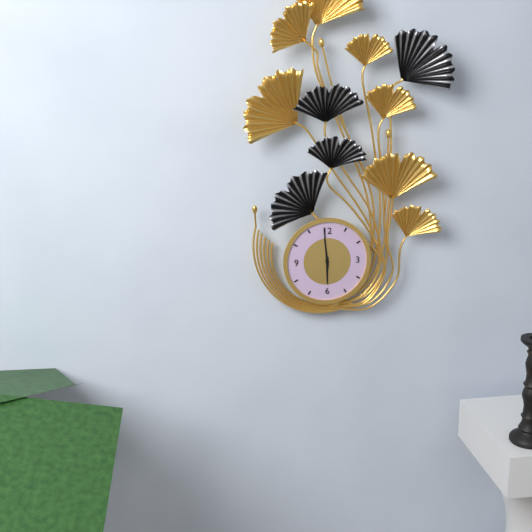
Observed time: **5:59**
